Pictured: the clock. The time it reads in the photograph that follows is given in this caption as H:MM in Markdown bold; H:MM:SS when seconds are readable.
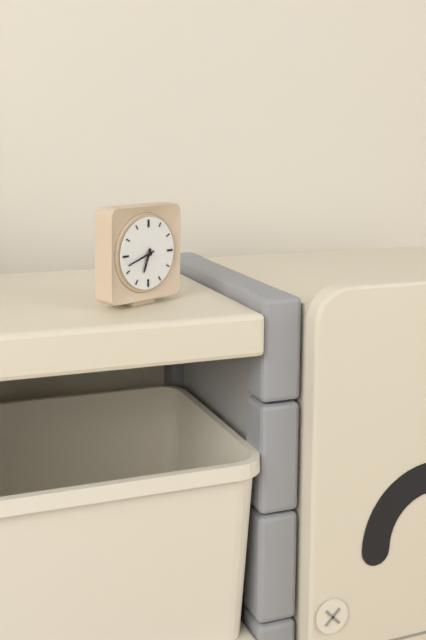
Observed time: **6:42**
